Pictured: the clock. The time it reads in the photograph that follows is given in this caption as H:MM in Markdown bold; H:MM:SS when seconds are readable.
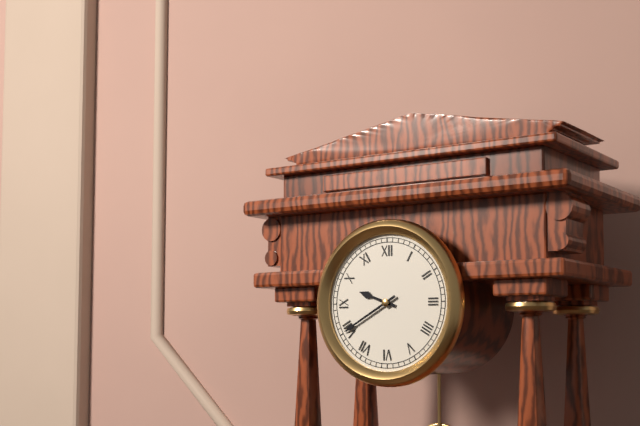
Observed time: **9:40**
